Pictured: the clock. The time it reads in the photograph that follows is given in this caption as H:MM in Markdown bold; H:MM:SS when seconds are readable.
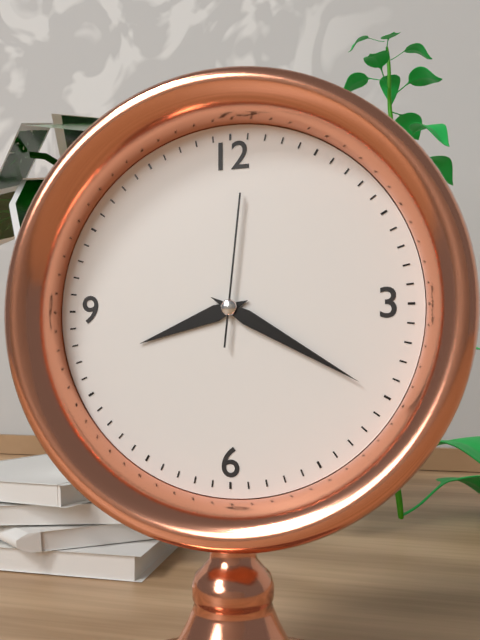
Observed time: **8:20:01**
